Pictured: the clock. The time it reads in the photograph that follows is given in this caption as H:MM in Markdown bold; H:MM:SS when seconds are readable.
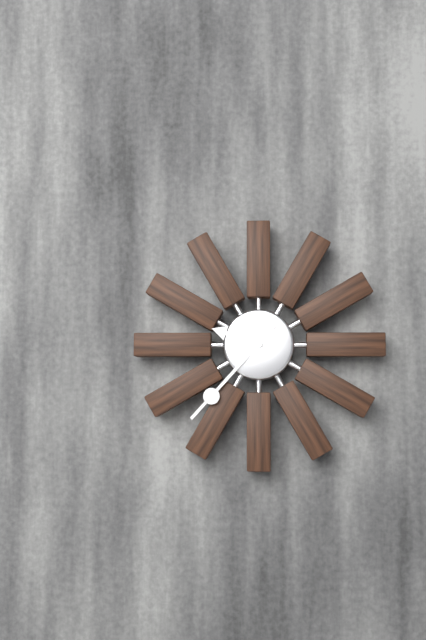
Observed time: **9:37**
